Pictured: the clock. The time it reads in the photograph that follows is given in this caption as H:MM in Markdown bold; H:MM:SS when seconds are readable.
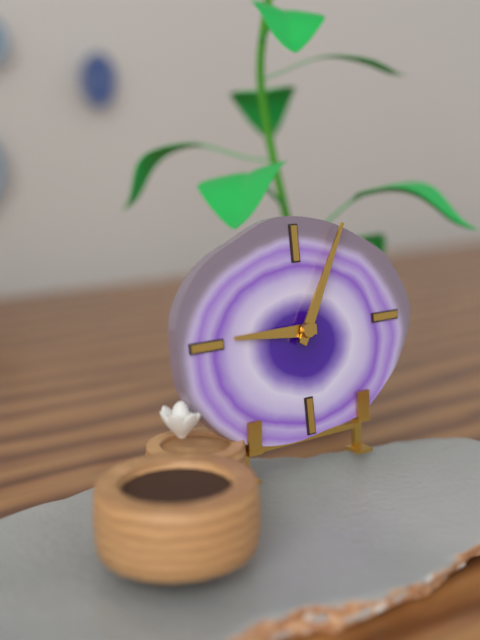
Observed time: **9:05**
